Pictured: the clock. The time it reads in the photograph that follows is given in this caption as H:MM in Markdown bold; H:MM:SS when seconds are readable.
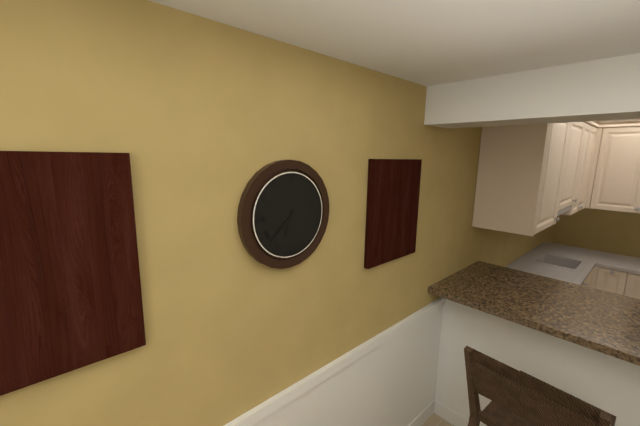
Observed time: **6:38**
